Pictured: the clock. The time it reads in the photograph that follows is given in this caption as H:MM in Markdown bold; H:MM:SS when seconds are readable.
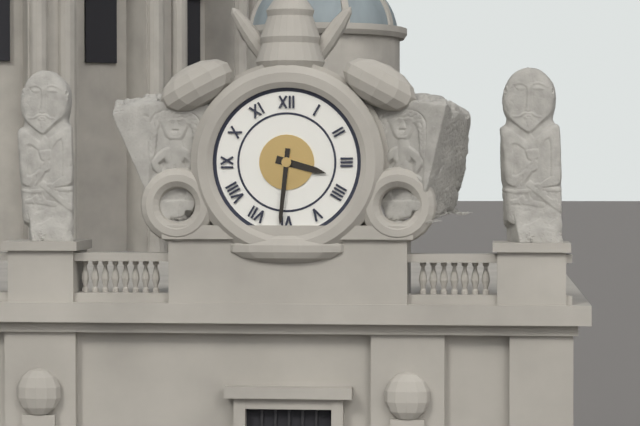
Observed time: **3:31**
